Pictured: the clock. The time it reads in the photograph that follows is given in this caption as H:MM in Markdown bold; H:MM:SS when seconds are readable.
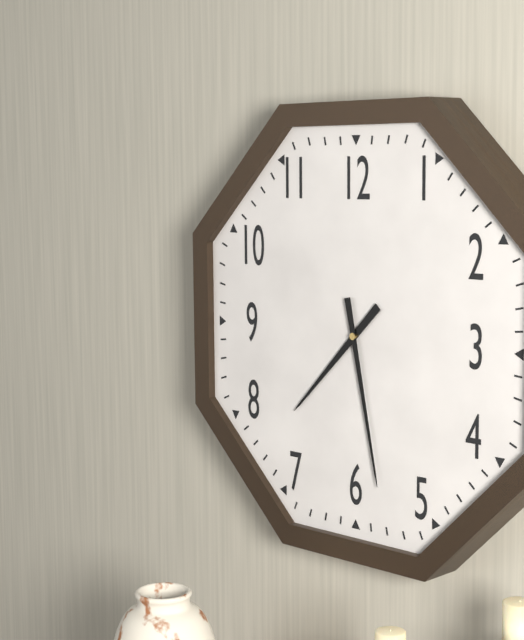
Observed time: **7:28**
